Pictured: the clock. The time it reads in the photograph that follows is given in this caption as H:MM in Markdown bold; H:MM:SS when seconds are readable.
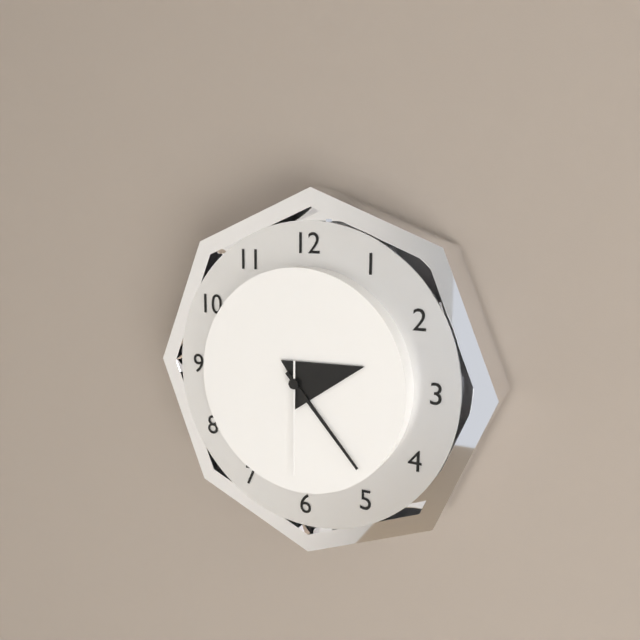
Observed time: **2:23:30**
